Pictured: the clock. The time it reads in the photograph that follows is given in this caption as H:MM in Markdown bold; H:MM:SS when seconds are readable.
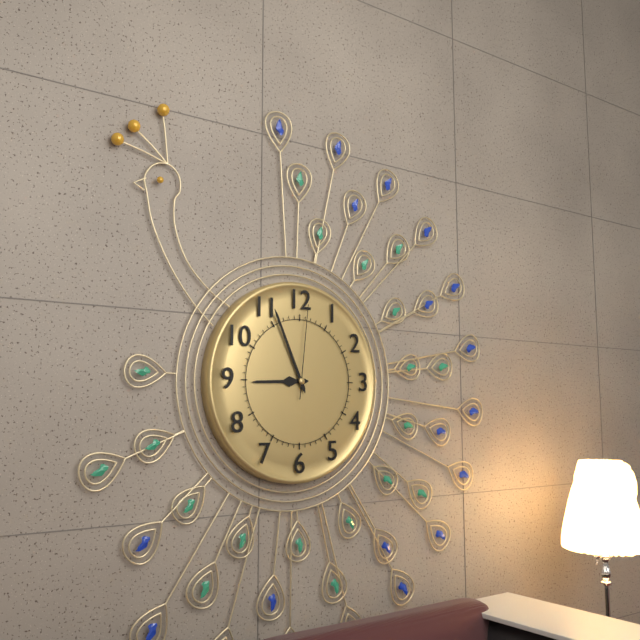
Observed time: **8:56:01**
